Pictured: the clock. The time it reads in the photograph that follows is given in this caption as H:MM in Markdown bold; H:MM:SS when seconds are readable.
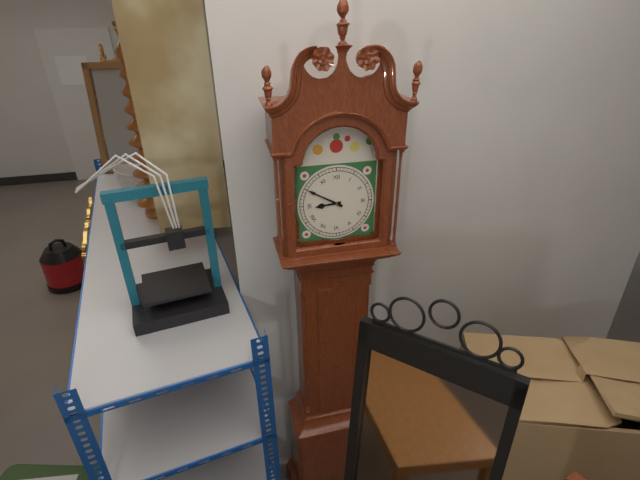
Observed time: **8:50**
